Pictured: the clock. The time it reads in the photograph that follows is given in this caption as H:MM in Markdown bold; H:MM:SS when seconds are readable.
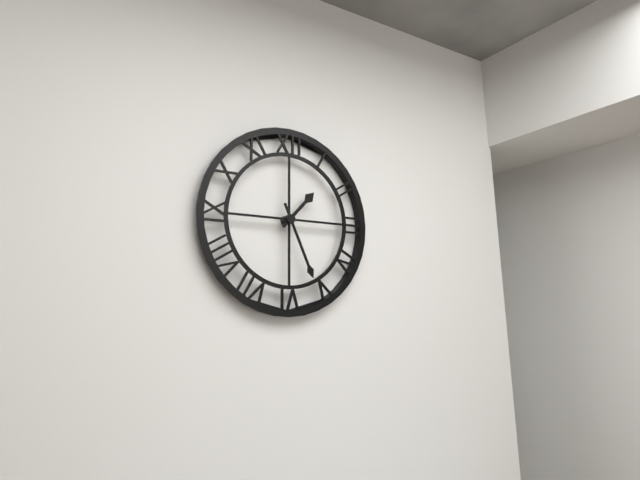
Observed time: **1:26**
